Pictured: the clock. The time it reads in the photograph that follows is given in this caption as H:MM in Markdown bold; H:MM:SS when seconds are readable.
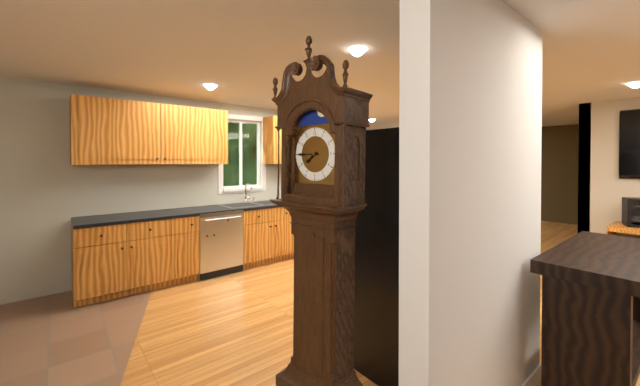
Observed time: **7:45**
